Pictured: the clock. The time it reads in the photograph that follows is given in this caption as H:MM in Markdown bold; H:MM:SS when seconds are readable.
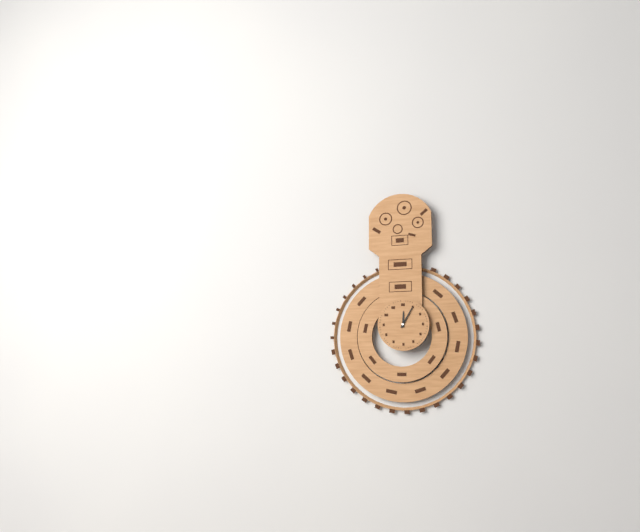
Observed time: **12:05**
